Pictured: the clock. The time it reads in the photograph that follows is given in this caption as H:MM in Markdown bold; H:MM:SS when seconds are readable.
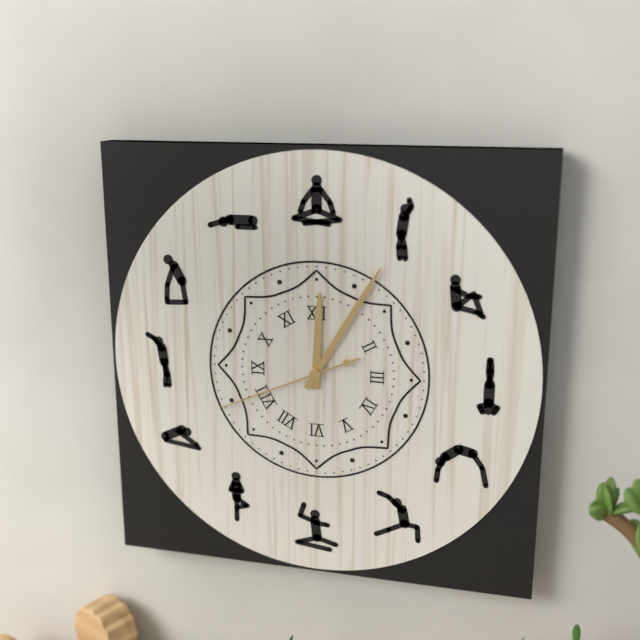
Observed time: **12:05:41**
